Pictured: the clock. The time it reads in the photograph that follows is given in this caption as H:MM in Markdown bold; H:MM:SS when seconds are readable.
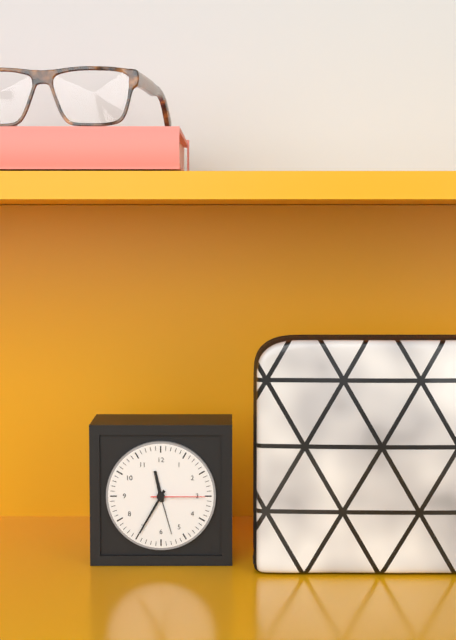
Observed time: **11:35:15**
